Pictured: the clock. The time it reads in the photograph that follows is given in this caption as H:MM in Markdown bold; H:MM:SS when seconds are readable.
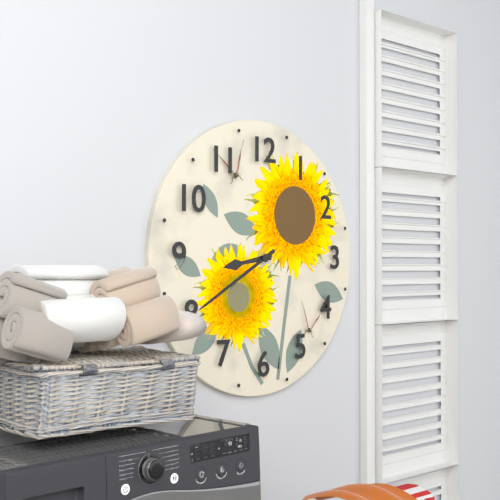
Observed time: **8:40**
